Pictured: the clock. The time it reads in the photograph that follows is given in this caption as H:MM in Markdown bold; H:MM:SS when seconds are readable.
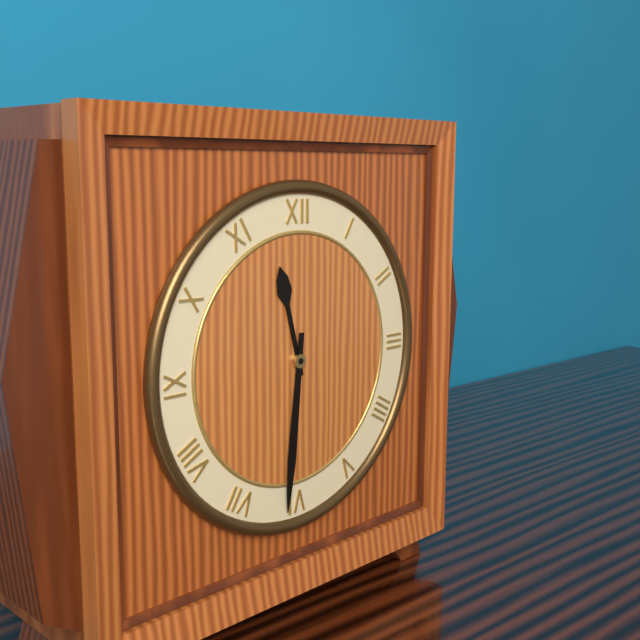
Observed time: **11:31**
